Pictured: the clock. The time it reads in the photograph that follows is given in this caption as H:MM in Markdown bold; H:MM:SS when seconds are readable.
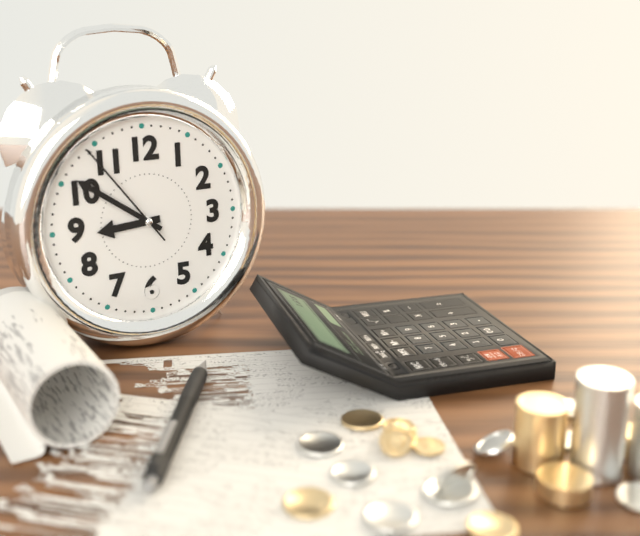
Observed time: **8:51:54**
